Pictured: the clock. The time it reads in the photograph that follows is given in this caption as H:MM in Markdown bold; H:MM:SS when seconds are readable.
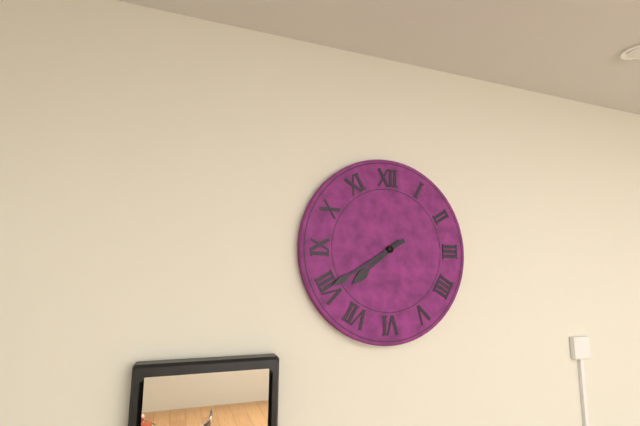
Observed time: **7:40**
